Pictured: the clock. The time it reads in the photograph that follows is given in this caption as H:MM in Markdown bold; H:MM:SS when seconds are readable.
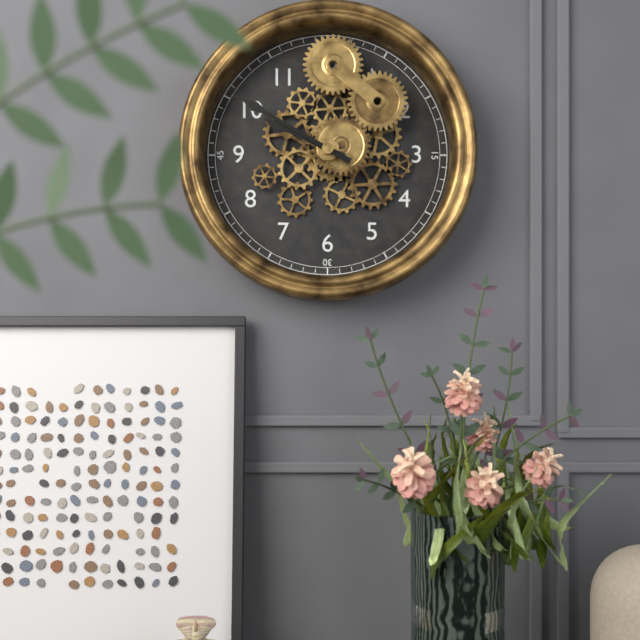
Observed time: **9:50**
